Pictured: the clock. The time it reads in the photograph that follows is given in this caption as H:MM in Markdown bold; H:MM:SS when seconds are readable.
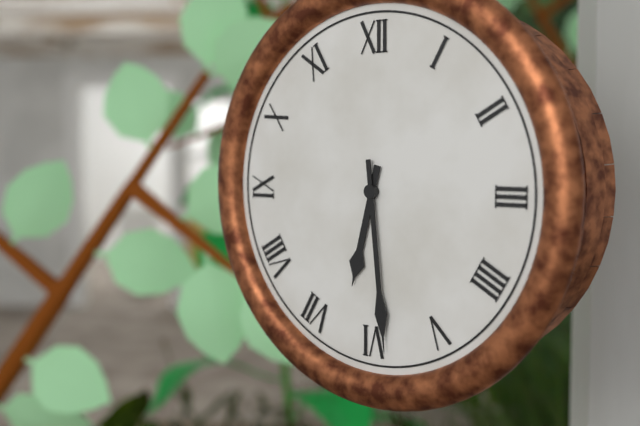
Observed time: **6:29**
